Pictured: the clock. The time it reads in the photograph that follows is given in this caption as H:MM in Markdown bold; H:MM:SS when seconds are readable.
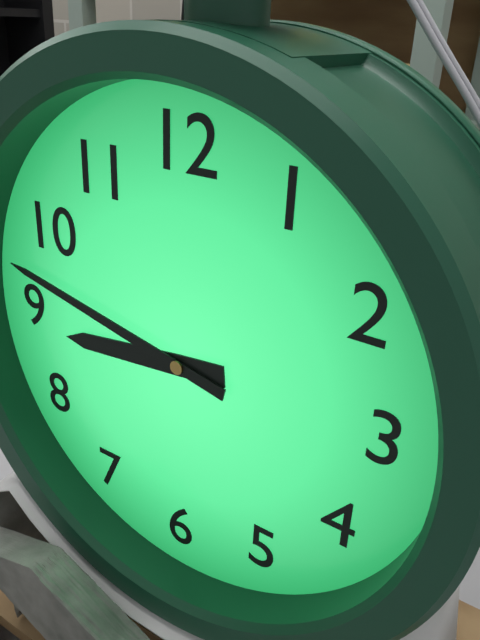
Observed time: **8:47**
